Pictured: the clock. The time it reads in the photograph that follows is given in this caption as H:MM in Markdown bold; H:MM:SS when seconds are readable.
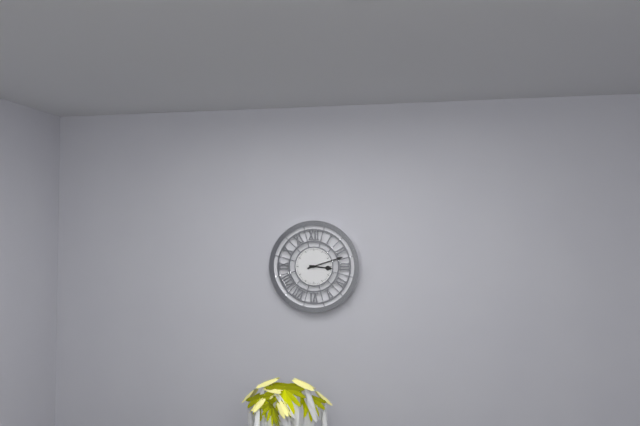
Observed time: **3:12**
